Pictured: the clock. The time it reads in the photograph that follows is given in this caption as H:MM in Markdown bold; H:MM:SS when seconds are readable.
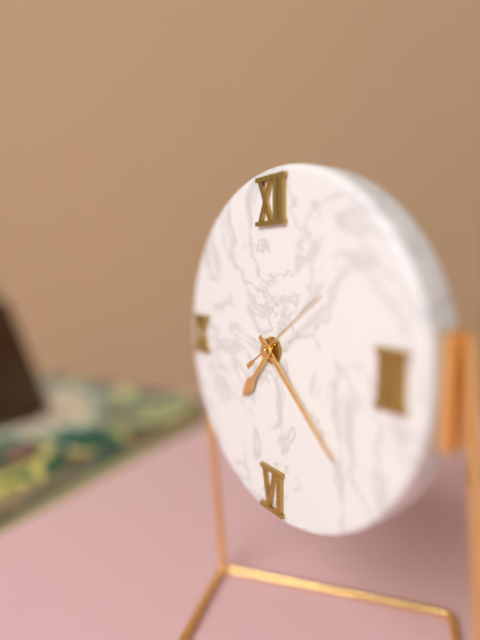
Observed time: **7:22:09**
